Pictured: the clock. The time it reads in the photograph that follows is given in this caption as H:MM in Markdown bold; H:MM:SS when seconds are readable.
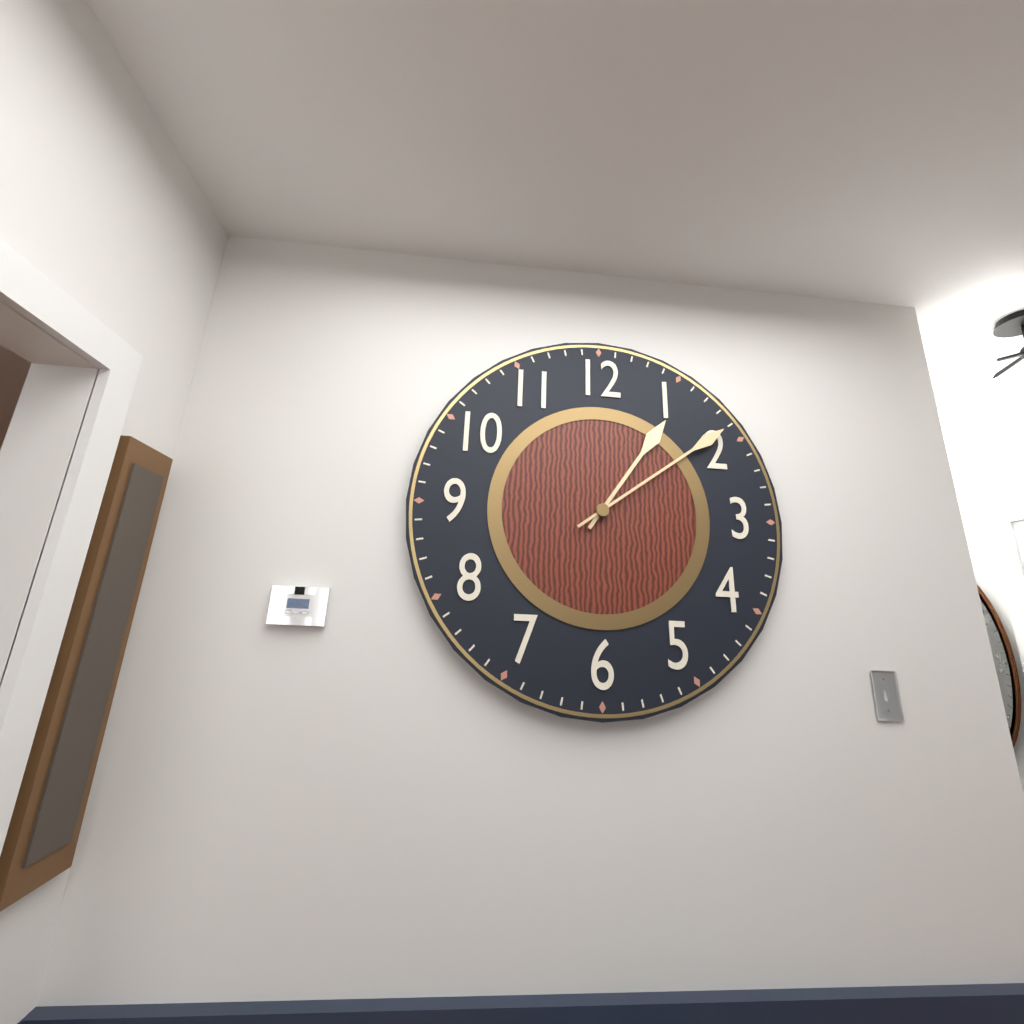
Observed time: **1:09**
